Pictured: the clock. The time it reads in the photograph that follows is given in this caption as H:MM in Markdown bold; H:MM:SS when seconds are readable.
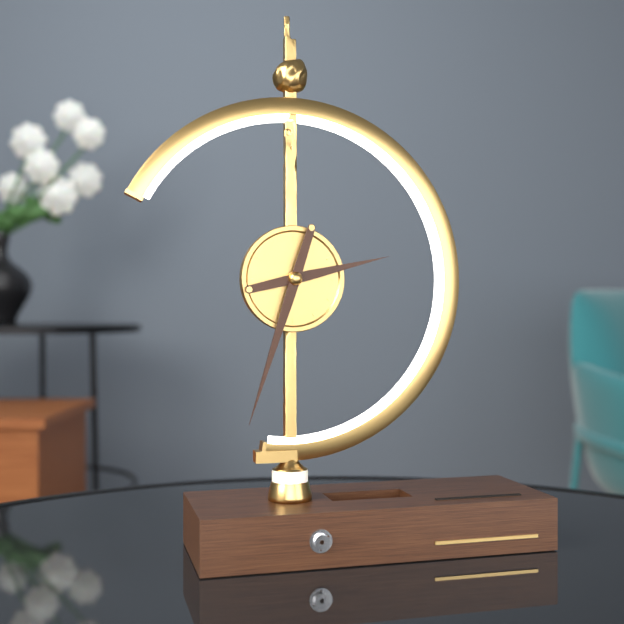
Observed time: **2:33**
